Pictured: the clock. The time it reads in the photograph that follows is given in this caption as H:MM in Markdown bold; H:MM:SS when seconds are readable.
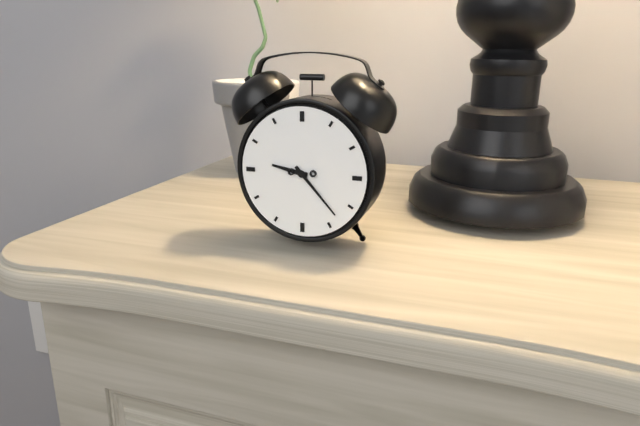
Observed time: **9:23**
